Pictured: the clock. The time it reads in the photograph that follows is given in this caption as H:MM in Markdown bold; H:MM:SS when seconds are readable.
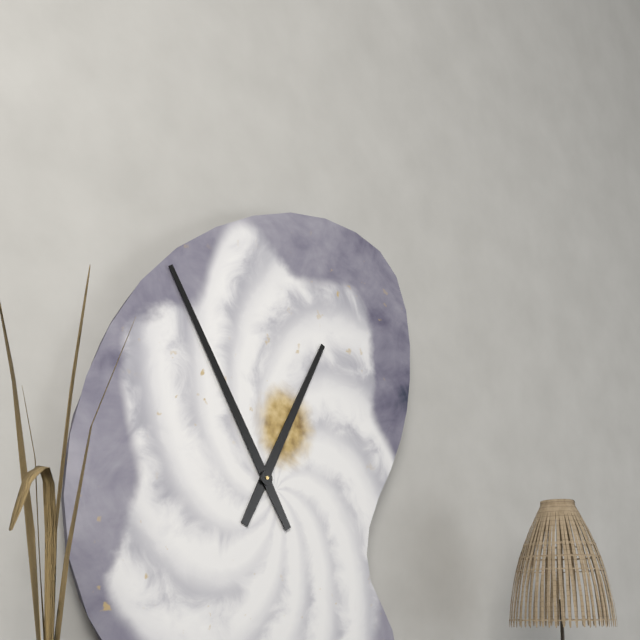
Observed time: **12:55**
